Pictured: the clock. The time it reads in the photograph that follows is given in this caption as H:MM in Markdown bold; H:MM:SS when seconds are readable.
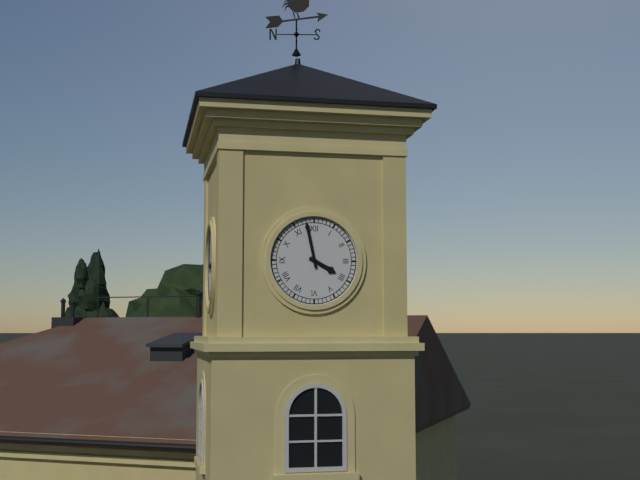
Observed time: **3:58**
